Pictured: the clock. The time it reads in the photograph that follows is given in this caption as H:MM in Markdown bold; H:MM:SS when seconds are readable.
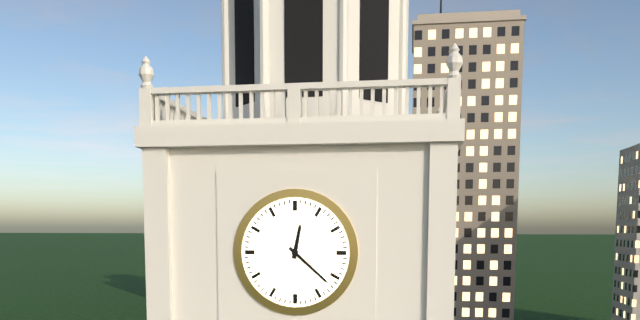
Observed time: **12:22**
